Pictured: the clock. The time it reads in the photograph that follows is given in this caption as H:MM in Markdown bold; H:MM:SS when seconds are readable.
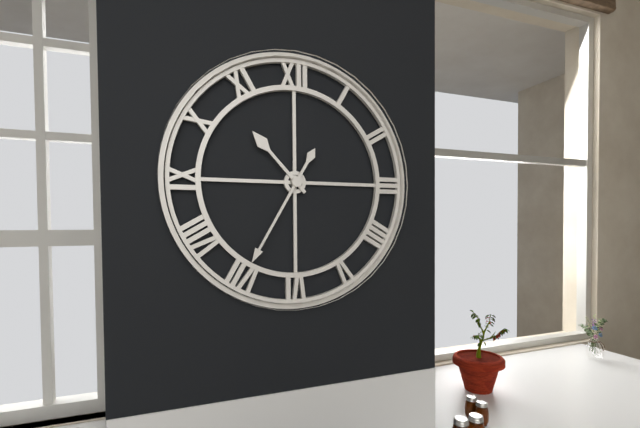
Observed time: **10:35**
